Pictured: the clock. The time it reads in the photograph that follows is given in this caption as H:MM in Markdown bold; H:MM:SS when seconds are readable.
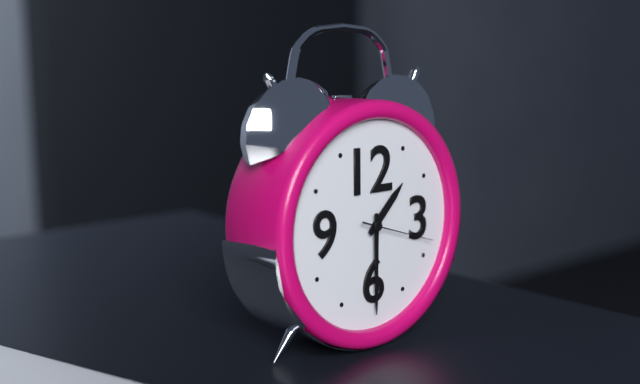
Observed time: **1:30:18**
